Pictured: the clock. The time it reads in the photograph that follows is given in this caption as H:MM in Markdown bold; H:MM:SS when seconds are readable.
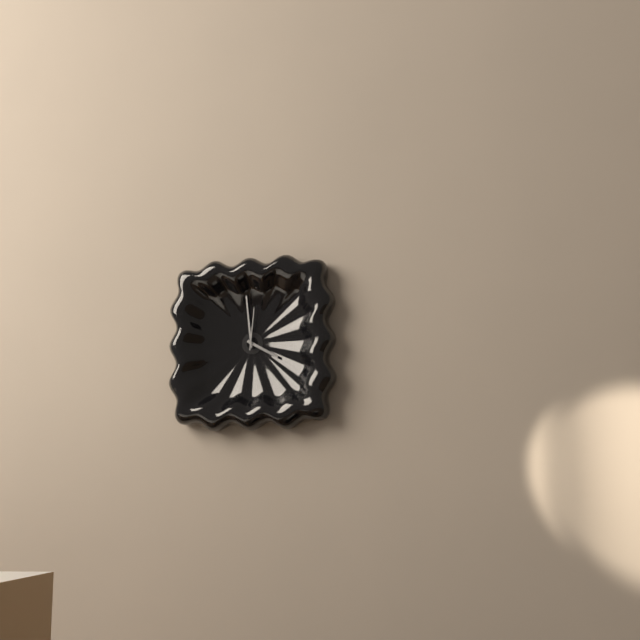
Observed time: **3:59**
